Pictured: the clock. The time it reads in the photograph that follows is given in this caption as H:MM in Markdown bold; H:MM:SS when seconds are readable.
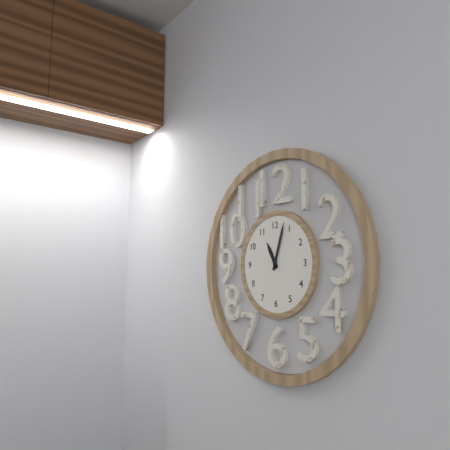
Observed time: **11:03**
